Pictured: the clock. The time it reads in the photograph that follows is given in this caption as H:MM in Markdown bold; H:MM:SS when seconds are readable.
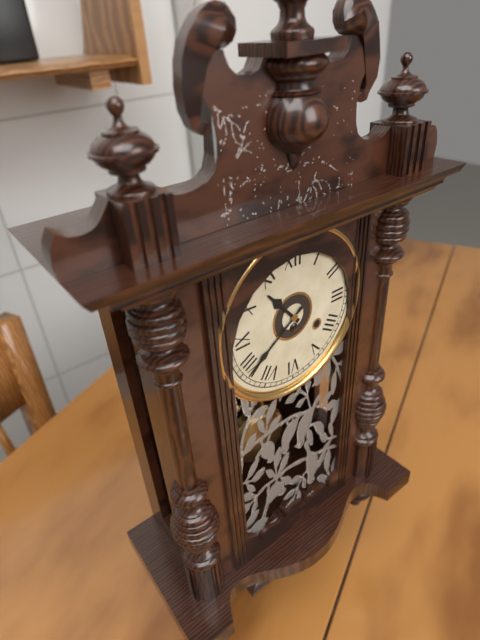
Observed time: **10:39**
